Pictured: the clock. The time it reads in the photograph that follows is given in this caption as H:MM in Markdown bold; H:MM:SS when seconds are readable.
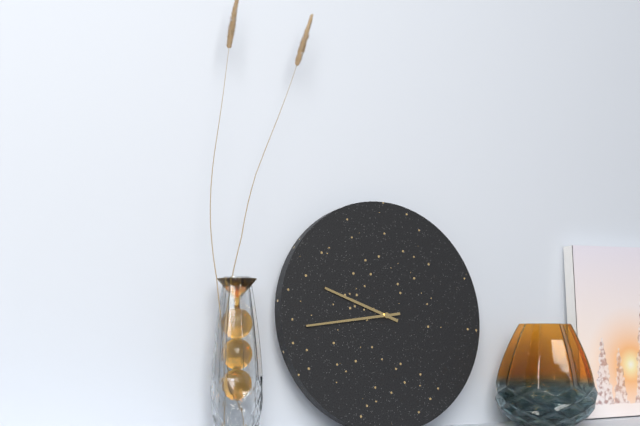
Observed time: **9:44**
